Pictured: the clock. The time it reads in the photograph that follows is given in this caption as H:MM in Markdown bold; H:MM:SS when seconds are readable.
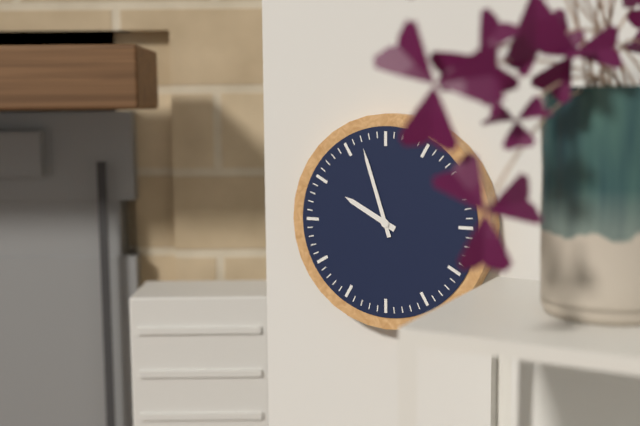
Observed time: **9:57**
